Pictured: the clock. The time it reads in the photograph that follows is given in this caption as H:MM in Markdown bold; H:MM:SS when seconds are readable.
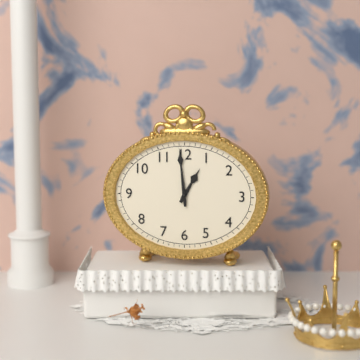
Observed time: **12:59**
